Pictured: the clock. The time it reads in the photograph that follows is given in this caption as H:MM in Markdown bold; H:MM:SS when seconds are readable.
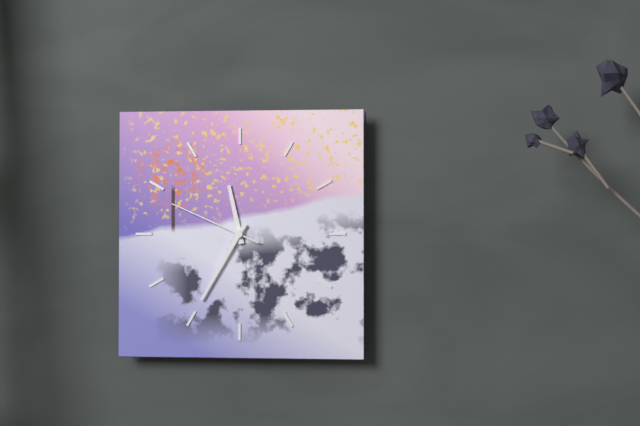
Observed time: **11:35:49**
